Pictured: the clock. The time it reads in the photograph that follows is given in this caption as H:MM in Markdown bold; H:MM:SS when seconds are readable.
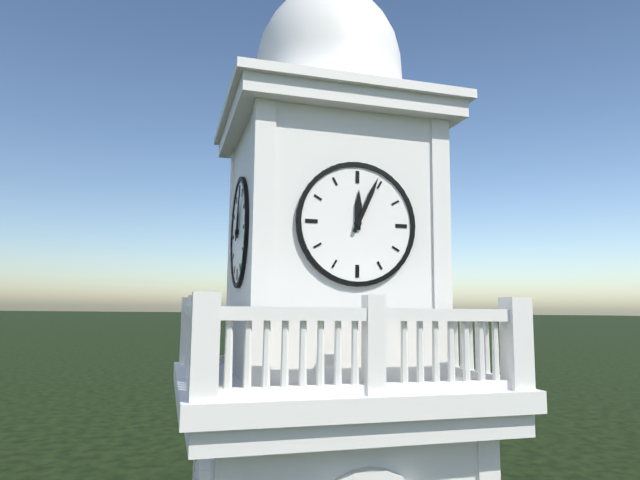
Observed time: **12:04**
